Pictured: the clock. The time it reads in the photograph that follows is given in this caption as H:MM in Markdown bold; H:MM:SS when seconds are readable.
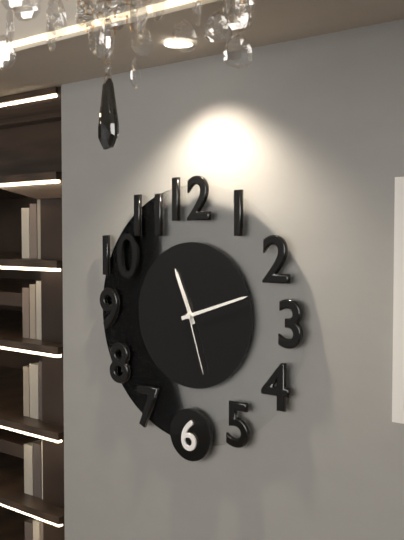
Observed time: **11:12:27**
